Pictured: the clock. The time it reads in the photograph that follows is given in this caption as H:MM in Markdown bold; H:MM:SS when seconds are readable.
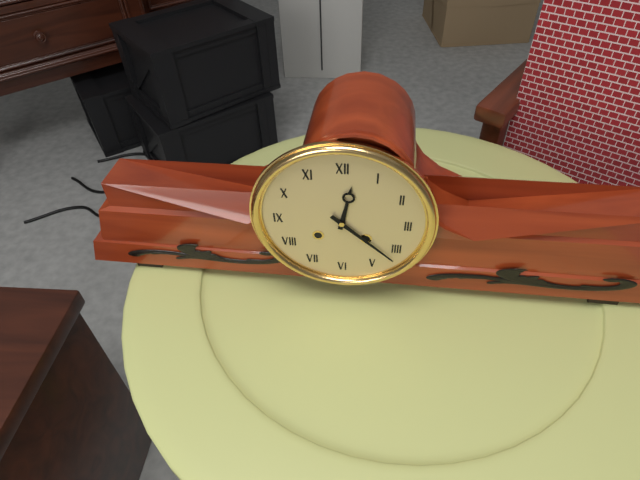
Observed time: **12:22**
